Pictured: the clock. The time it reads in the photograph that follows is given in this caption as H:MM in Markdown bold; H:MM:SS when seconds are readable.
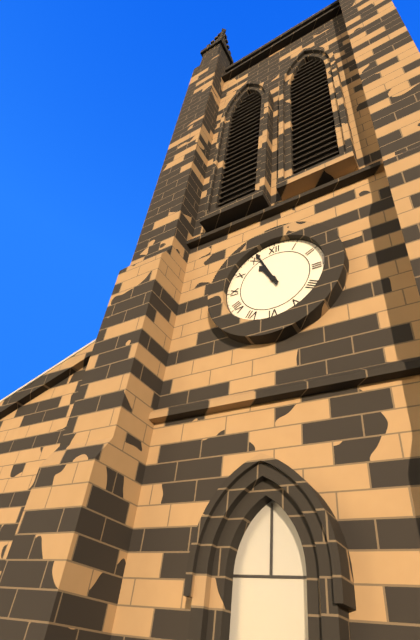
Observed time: **10:56**
